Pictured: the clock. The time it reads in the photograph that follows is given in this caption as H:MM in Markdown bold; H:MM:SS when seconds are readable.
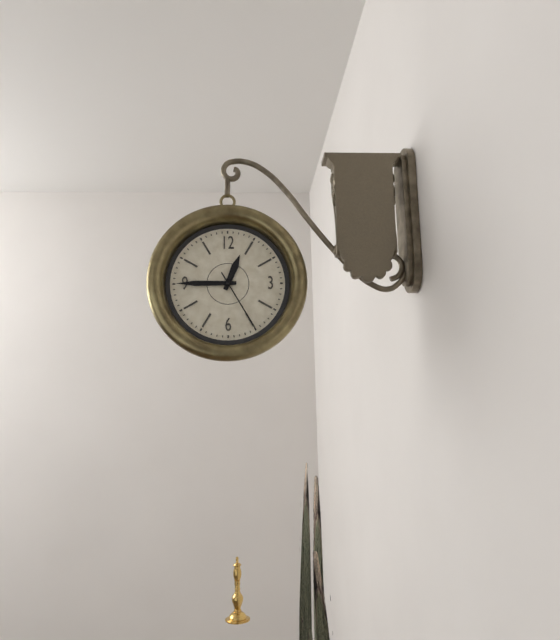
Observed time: **12:45:25**
